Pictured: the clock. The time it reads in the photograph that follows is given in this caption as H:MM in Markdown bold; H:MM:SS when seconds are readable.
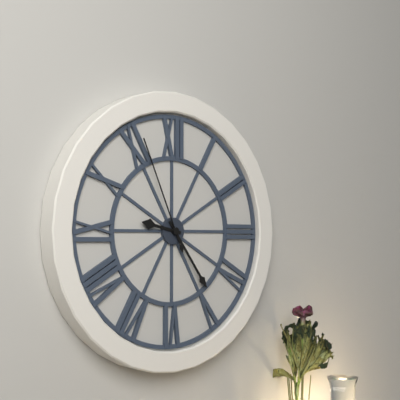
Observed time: **9:24:56**
